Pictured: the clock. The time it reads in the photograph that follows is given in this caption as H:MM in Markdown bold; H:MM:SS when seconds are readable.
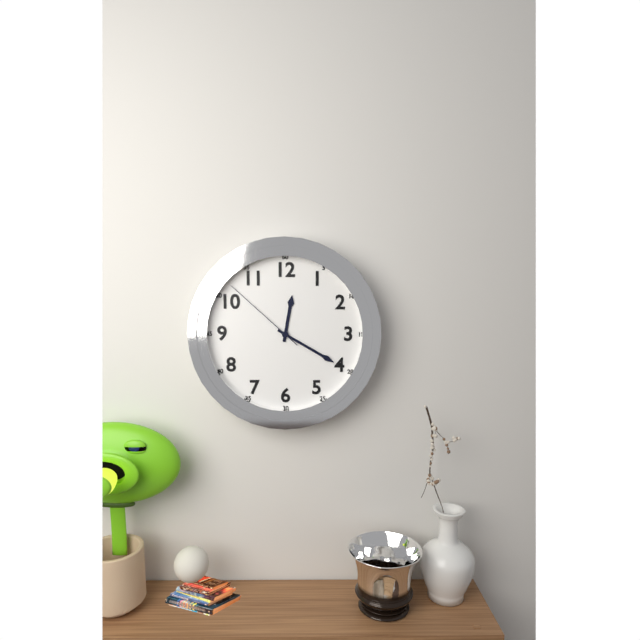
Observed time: **12:20:52**
